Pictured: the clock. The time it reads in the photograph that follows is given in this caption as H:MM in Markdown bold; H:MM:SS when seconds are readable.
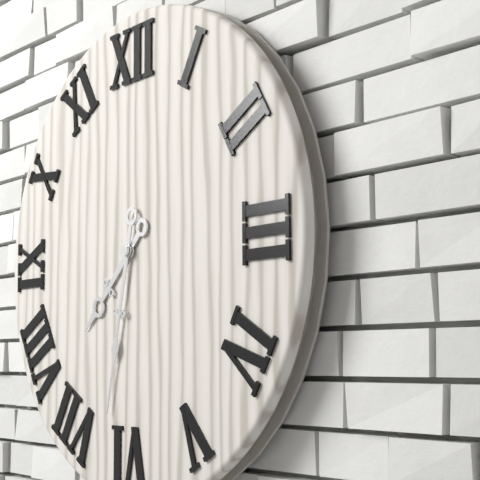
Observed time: **7:32**
